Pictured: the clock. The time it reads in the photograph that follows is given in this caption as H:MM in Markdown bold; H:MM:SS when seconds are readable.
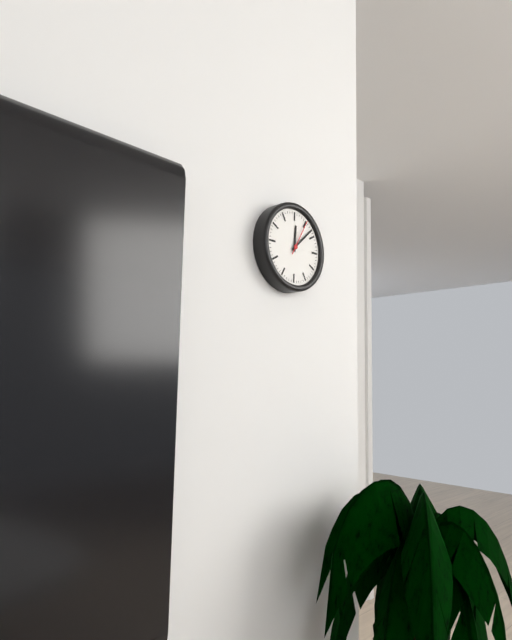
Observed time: **12:08**
